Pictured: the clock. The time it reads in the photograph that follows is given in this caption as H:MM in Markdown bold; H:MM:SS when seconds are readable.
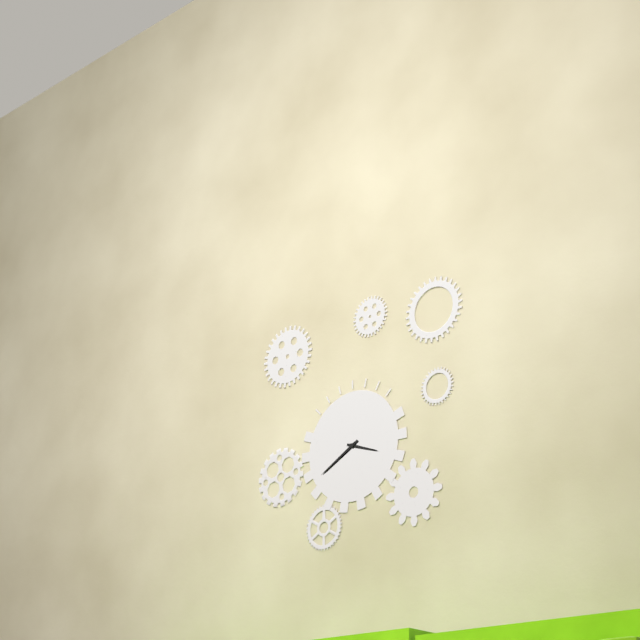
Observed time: **3:40**
